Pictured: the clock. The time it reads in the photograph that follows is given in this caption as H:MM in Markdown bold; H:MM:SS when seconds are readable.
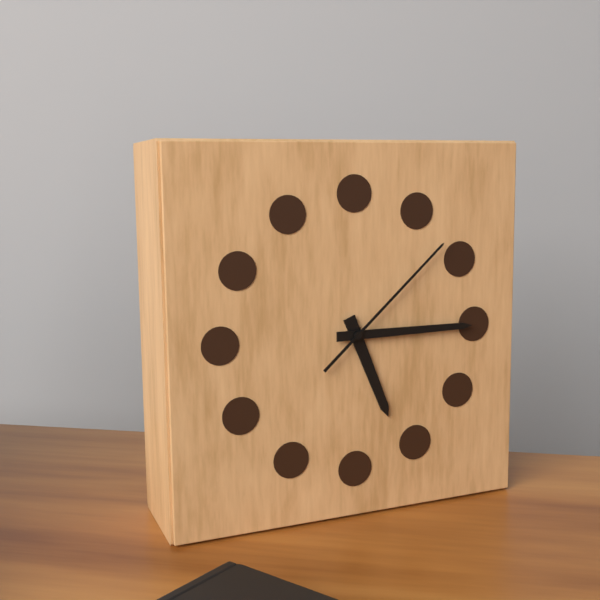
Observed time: **5:15:08**
